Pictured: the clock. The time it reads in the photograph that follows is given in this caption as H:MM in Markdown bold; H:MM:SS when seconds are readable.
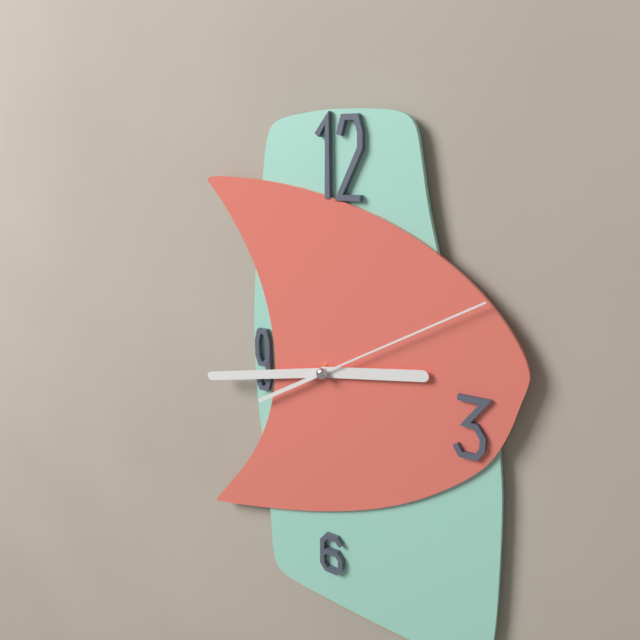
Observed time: **2:43:10**
